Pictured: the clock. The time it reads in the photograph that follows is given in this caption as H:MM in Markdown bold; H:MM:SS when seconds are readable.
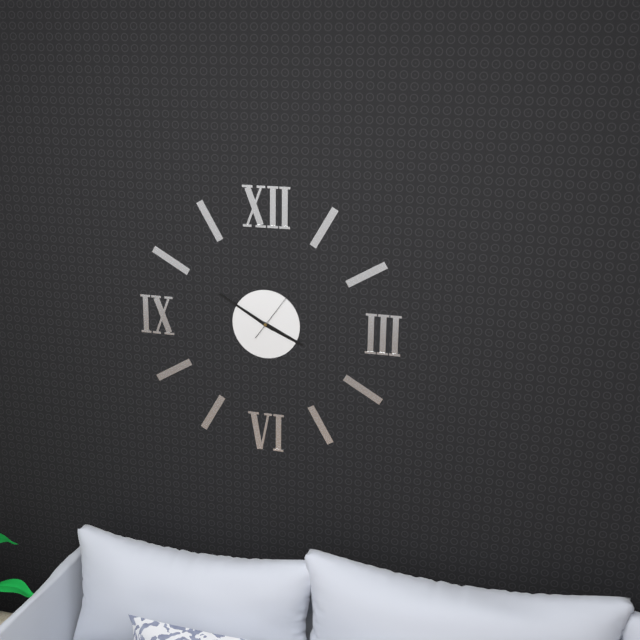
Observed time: **3:50:06**
